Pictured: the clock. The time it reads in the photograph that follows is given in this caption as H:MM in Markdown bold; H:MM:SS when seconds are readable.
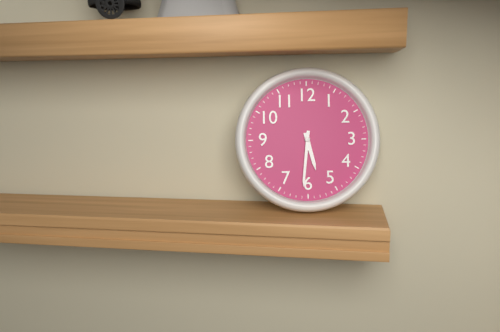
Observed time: **5:31**
